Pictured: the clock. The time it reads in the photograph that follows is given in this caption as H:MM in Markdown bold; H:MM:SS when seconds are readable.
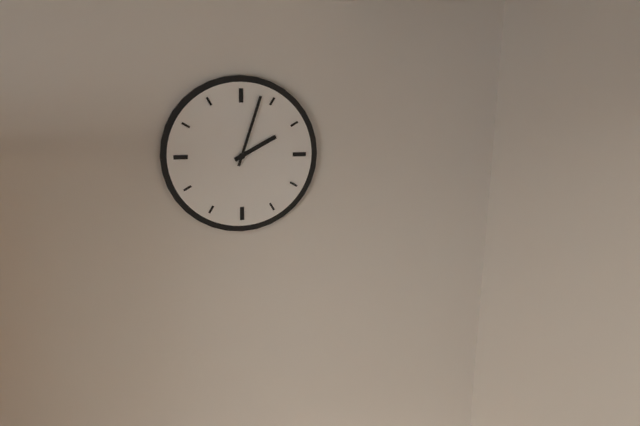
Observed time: **2:03**
